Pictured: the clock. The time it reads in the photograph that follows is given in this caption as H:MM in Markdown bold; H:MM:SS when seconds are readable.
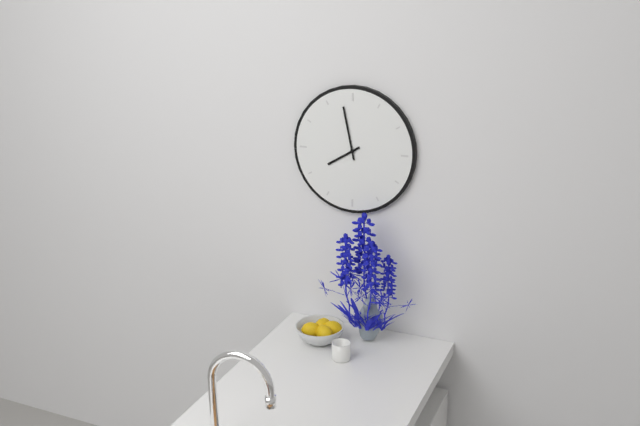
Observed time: **7:58**
